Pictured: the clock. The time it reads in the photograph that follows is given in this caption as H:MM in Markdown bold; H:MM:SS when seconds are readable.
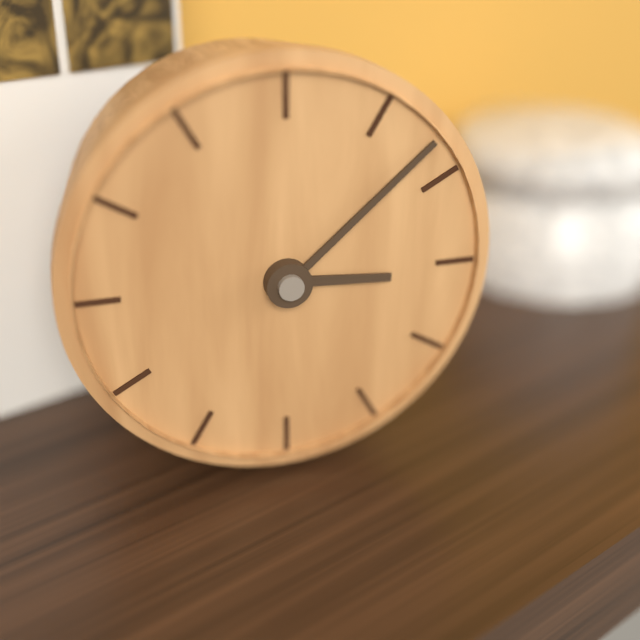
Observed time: **3:08**
